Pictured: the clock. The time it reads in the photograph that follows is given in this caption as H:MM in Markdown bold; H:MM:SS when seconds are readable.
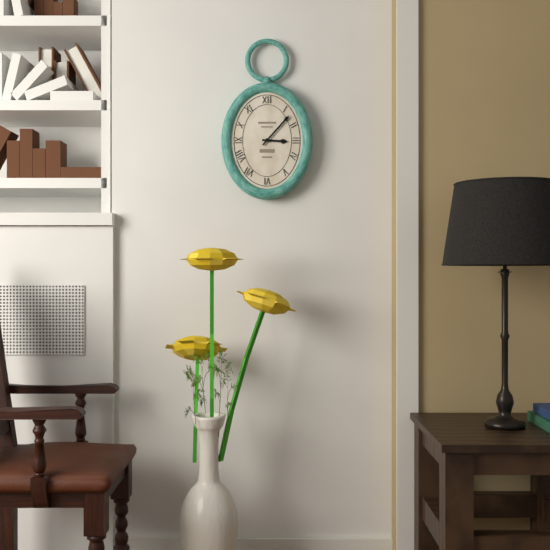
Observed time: **3:07**
